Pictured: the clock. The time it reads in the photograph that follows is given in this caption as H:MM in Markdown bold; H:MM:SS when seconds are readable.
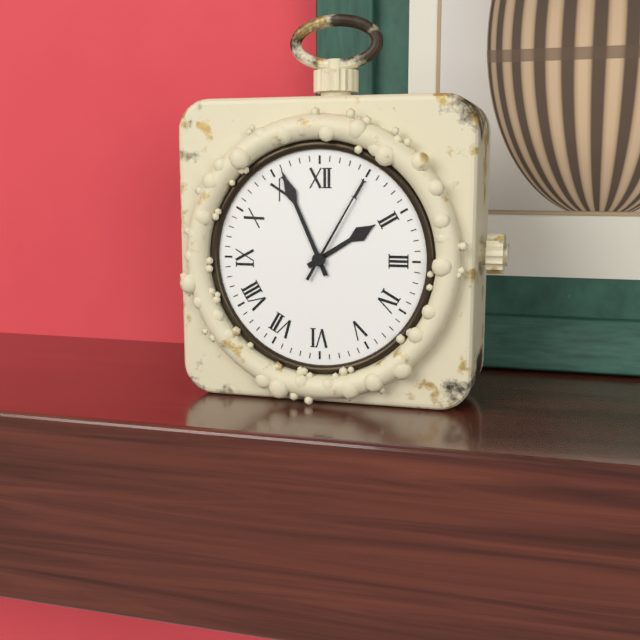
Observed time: **1:56:05**
